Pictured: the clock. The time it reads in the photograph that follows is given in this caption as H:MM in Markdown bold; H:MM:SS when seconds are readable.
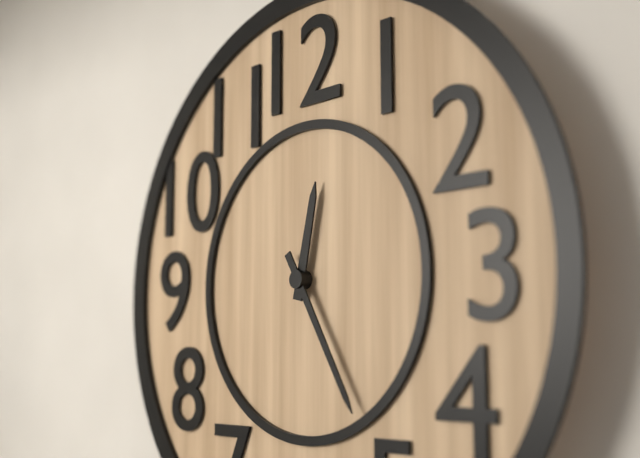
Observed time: **12:25**
